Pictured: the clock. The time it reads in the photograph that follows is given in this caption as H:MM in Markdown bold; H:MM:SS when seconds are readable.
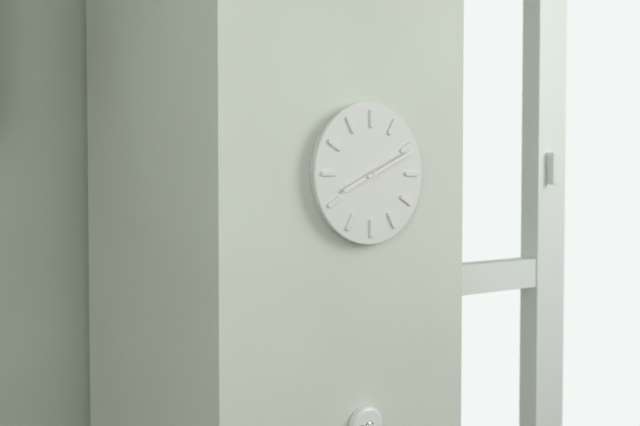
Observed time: **8:11**
